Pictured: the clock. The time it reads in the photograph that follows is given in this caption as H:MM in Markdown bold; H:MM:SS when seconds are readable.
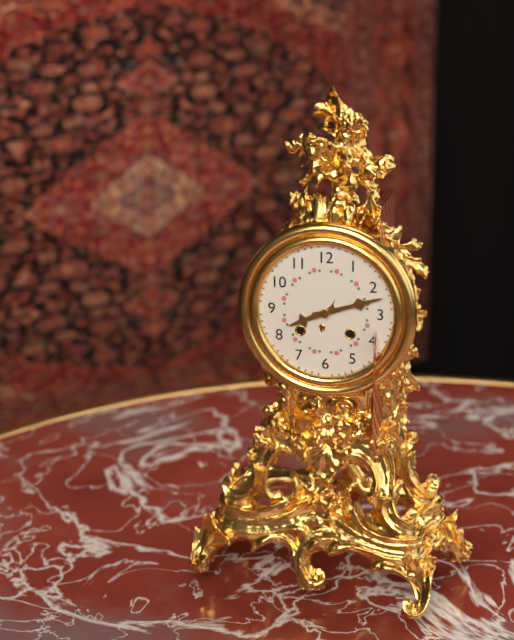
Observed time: **8:12**
